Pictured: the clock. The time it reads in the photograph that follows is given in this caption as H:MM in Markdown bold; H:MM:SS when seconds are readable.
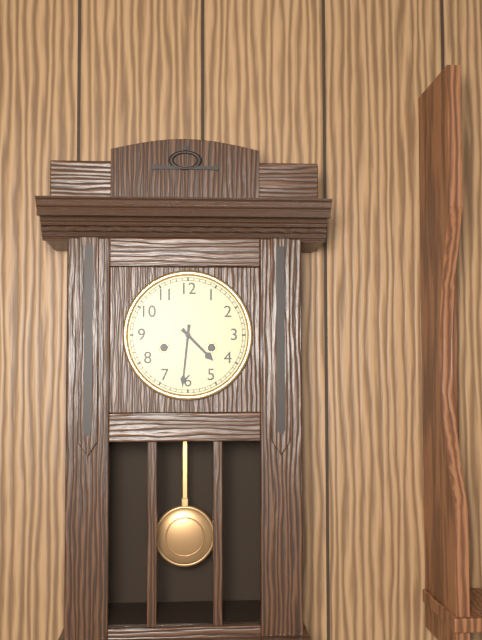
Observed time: **4:31**
